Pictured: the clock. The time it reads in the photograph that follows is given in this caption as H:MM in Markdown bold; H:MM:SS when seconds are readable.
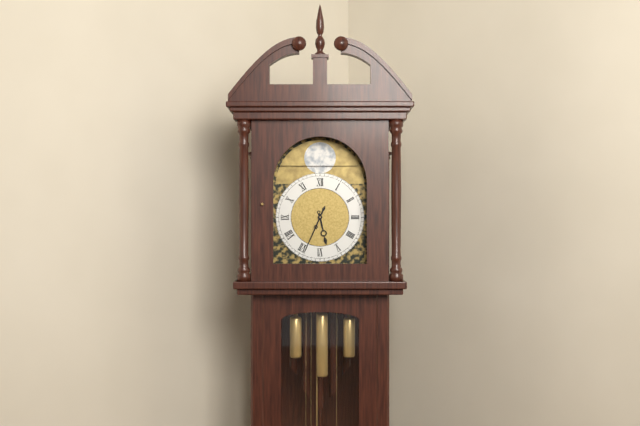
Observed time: **5:34**
